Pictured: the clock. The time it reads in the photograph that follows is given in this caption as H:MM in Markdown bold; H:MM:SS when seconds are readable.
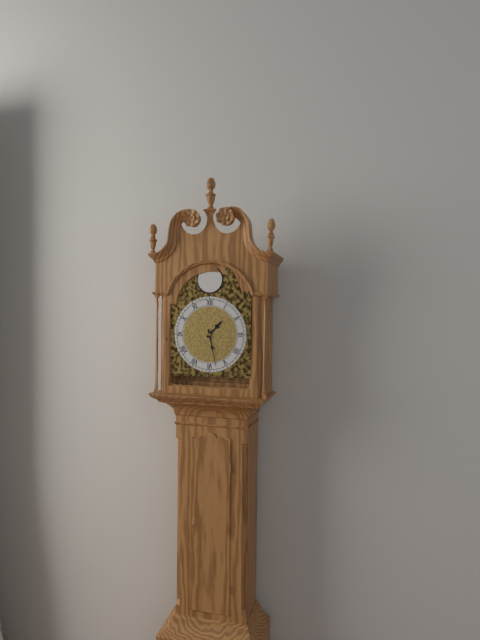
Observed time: **1:28**
